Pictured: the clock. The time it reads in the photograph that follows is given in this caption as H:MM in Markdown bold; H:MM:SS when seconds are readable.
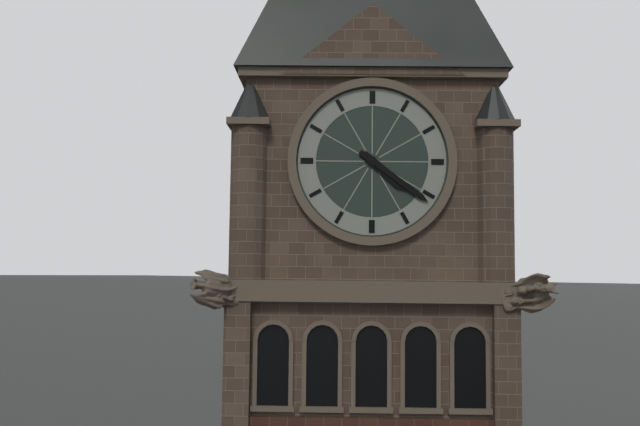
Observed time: **4:21**
